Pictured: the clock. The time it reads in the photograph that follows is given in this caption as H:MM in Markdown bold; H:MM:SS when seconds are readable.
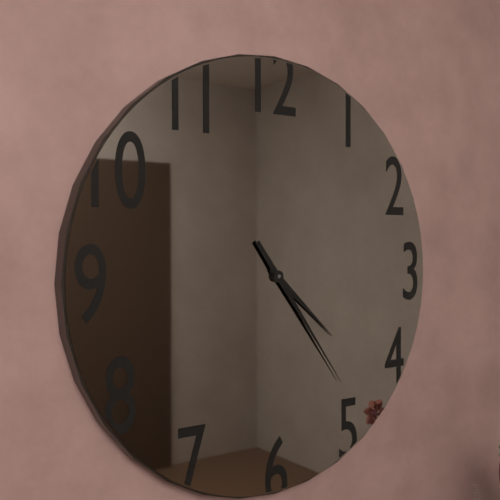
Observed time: **4:24**
